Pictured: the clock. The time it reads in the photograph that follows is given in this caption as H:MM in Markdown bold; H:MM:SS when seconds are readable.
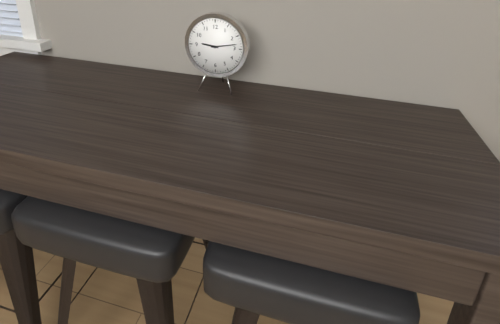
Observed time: **9:13**
